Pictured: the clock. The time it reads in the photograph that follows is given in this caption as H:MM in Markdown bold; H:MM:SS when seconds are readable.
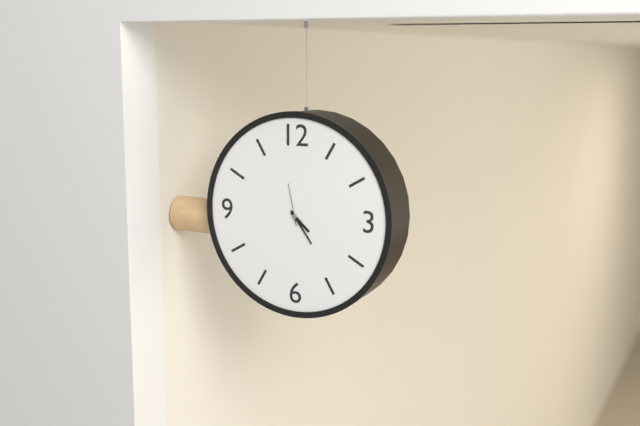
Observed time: **4:24**
